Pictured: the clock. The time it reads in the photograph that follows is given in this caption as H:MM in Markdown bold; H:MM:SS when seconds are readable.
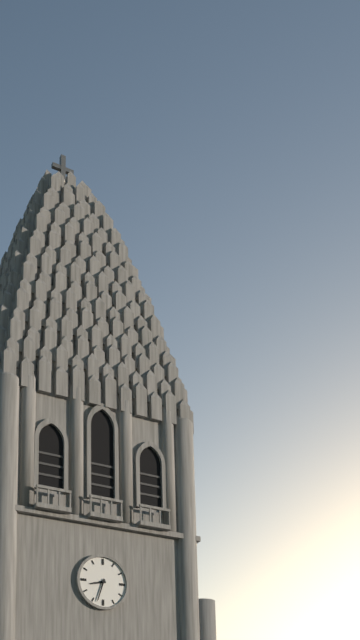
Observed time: **8:33**
